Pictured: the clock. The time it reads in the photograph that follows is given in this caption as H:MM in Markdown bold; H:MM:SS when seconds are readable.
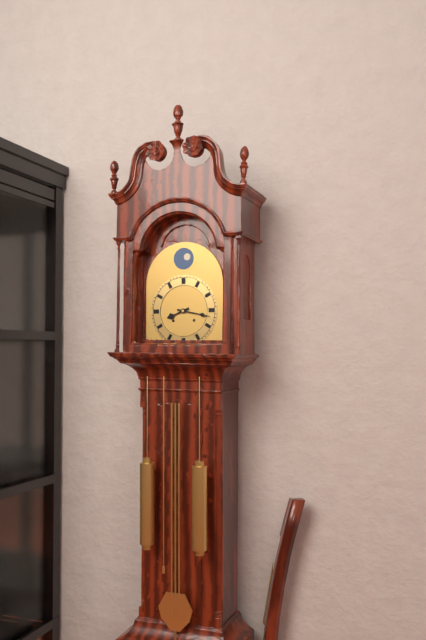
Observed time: **8:17**
